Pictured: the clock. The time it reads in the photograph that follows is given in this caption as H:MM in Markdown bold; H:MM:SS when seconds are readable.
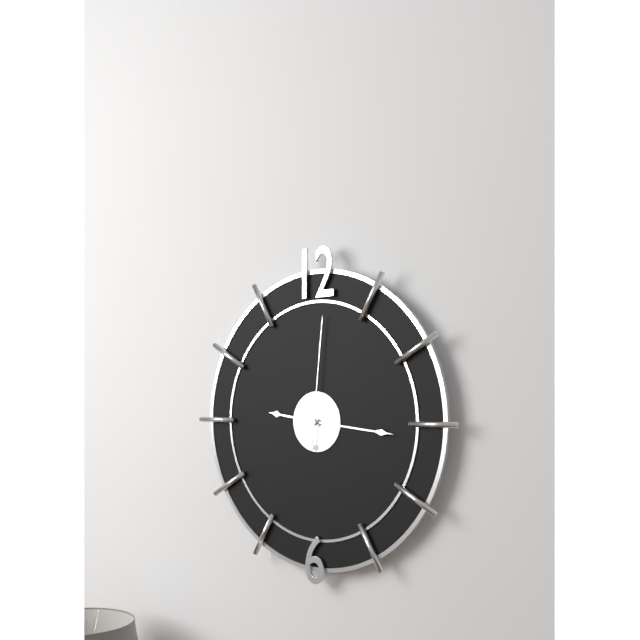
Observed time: **9:16:01**
